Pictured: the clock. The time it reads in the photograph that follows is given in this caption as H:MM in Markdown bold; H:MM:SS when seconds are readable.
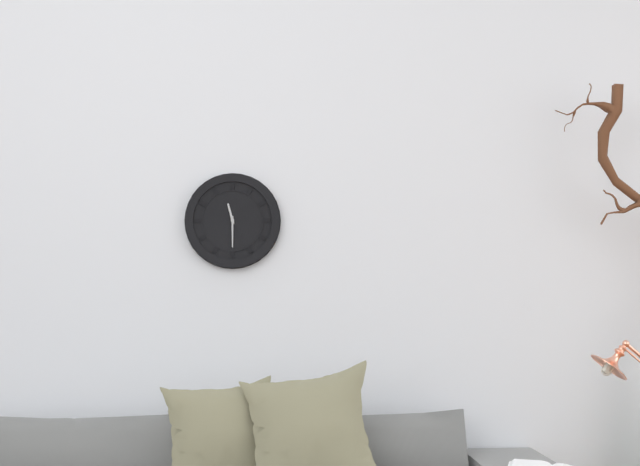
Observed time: **11:30**
